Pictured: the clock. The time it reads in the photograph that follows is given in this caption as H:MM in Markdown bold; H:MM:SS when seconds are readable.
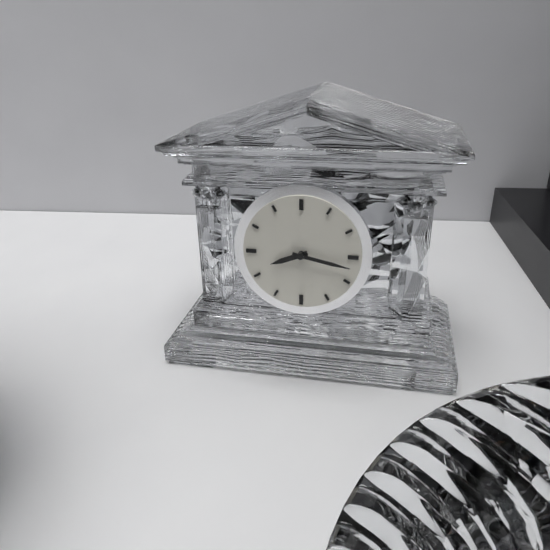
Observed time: **8:17**
